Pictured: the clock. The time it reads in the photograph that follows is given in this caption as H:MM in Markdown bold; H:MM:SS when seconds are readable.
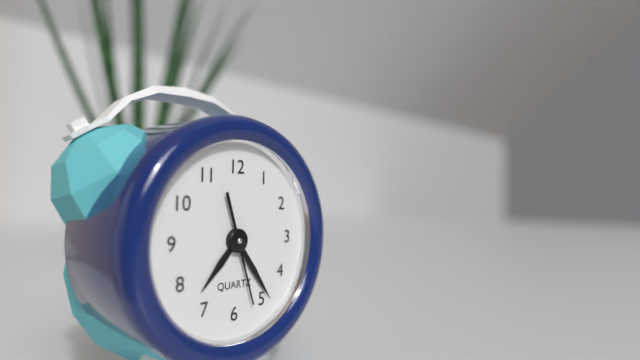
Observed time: **7:24:27**
